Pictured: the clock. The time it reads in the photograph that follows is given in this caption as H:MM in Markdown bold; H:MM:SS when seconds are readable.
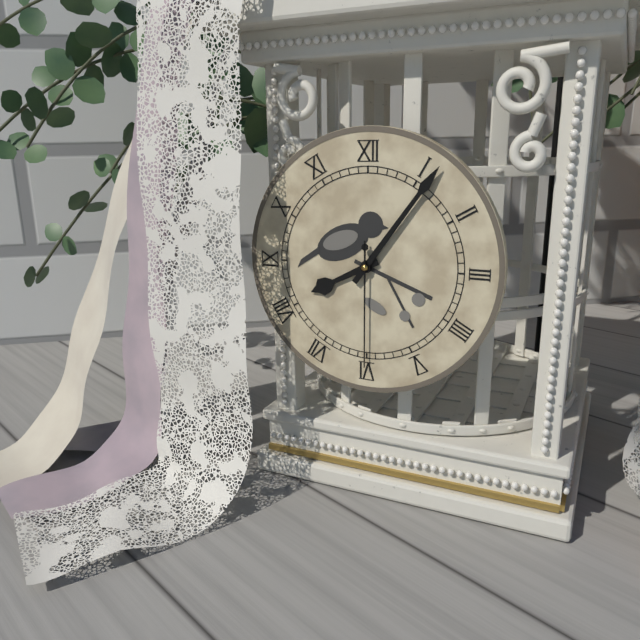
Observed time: **8:06:30**
